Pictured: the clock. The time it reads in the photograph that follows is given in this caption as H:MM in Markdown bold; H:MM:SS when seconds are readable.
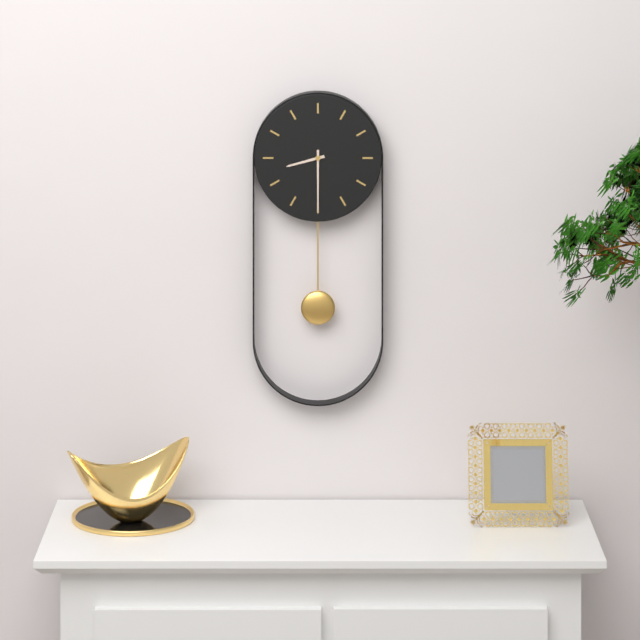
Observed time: **8:30**
